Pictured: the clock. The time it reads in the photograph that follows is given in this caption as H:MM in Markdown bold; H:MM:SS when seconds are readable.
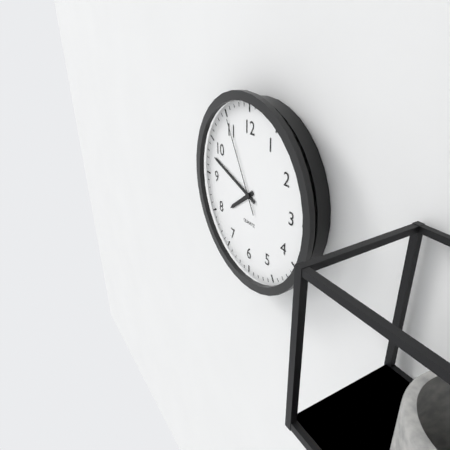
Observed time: **7:48:55**
